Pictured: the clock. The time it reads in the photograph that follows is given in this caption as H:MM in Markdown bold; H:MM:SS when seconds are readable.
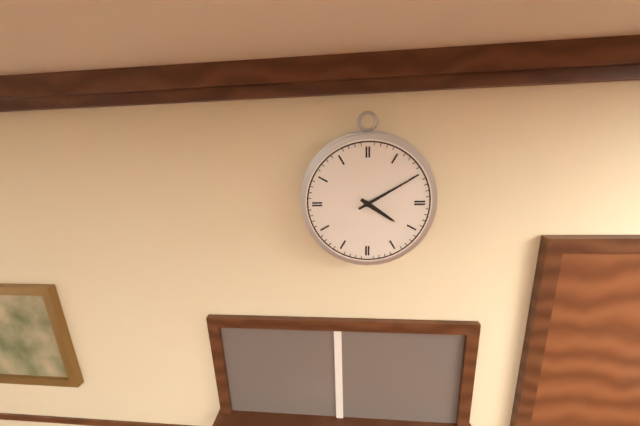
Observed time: **4:10**
